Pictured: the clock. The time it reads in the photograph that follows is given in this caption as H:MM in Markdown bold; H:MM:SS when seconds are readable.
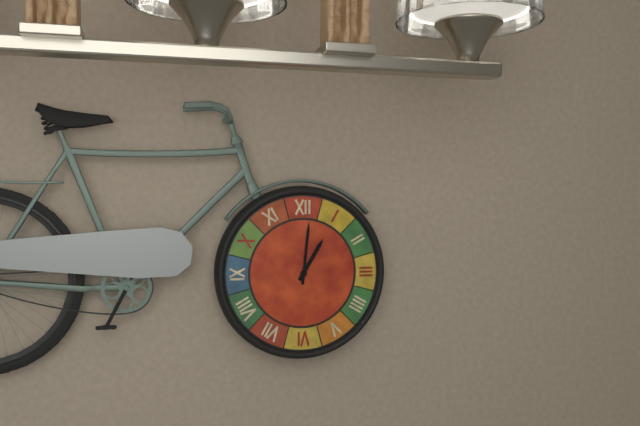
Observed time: **1:01**
